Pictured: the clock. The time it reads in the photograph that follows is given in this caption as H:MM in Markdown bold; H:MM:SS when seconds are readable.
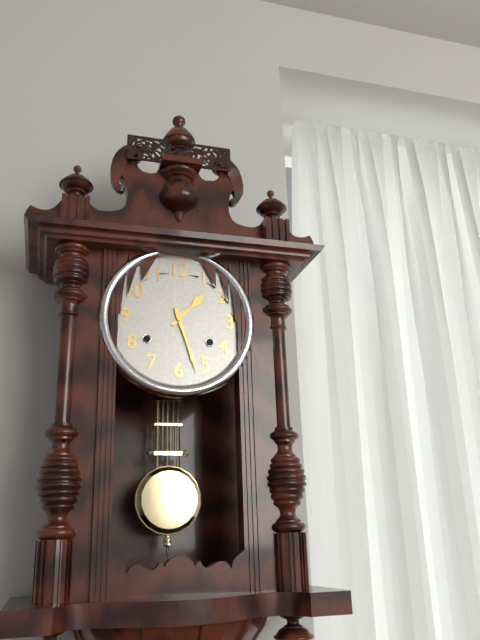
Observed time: **1:27**
